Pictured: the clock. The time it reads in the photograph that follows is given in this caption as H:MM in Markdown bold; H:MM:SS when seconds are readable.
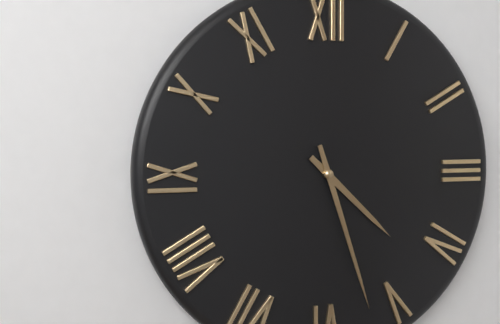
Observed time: **4:27**
